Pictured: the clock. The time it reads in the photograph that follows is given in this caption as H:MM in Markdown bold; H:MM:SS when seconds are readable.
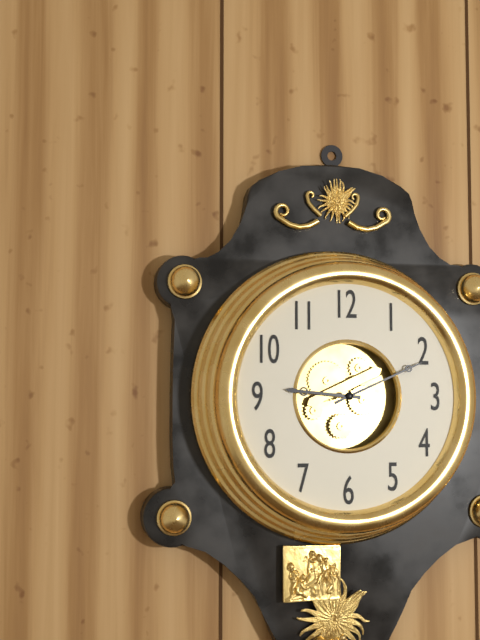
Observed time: **9:11**
